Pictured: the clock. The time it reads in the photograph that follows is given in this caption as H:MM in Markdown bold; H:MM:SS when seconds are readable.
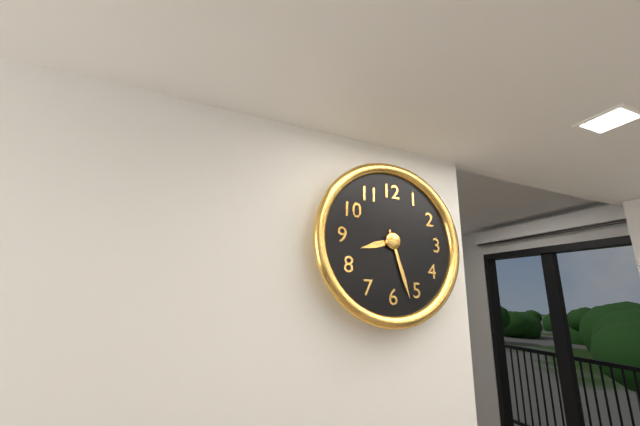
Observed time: **8:27**
